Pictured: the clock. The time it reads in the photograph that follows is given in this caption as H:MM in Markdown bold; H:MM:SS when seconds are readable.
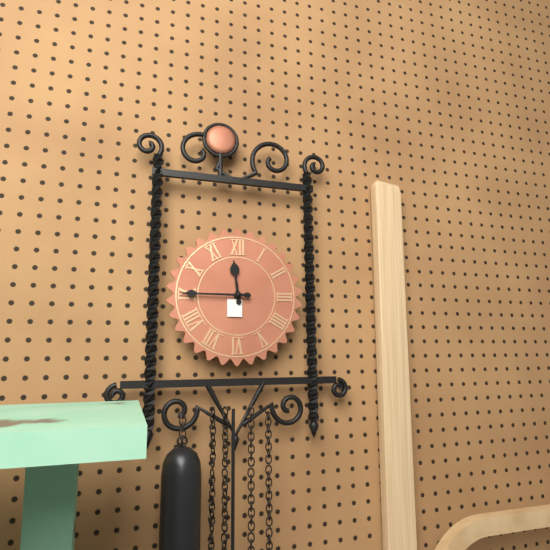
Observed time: **11:45**
